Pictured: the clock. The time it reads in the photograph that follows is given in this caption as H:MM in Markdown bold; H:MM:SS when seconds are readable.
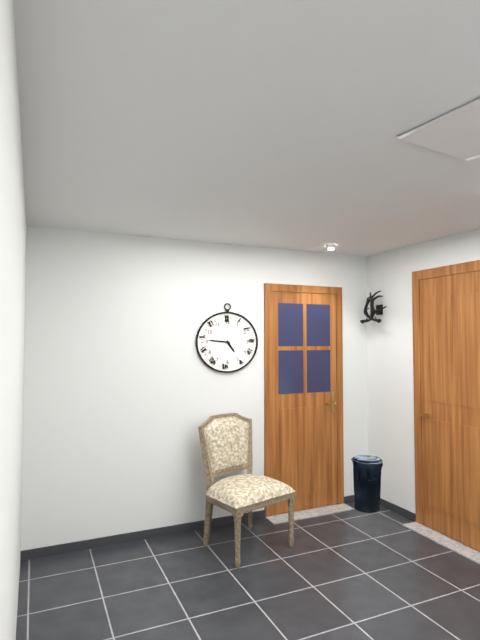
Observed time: **4:46**
